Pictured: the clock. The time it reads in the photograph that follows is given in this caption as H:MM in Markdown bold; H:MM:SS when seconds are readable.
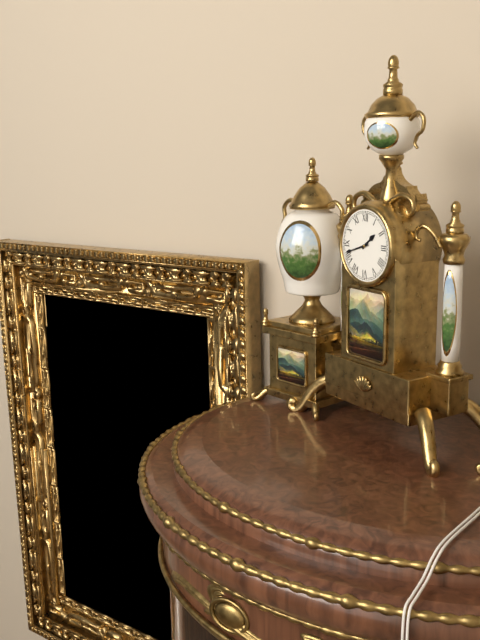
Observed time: **1:42**
